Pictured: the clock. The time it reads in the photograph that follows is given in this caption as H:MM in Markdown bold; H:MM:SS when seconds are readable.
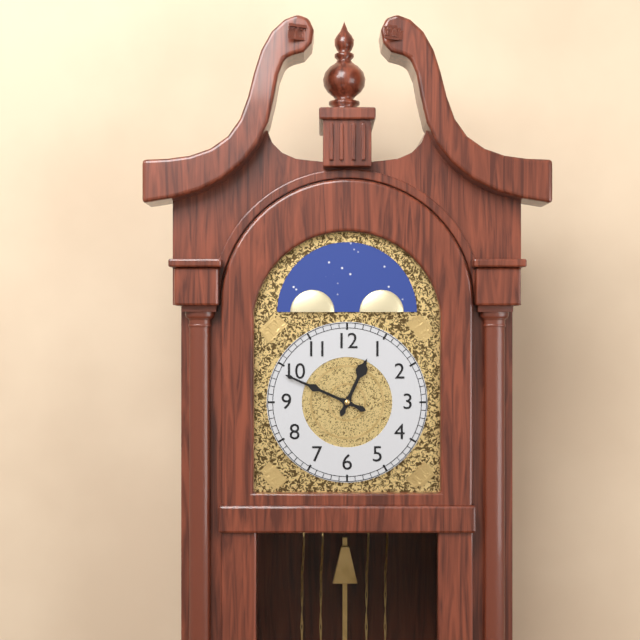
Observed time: **12:49**
